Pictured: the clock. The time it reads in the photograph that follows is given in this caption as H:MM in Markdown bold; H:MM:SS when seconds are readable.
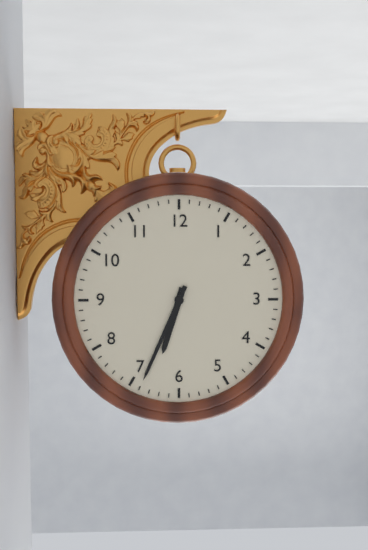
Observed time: **6:34**
